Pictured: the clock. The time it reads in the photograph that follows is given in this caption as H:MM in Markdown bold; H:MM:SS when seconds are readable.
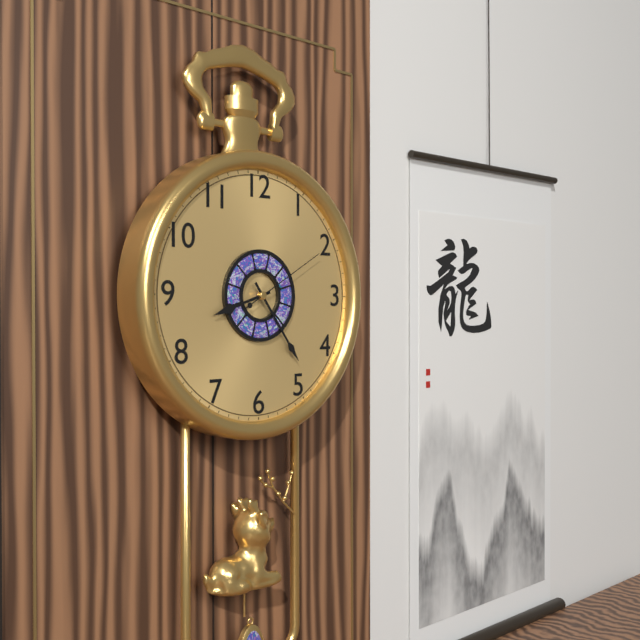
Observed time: **8:24:10**
